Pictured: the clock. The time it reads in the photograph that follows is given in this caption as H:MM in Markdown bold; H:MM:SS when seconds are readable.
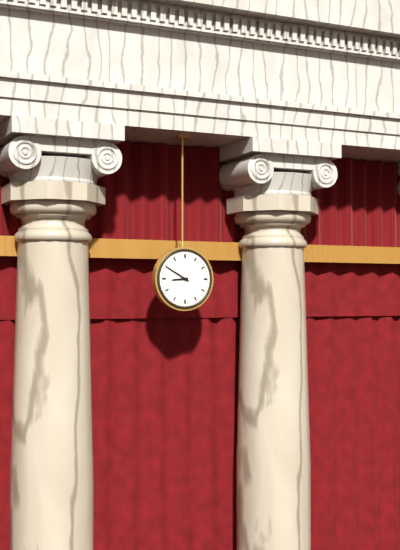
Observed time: **8:50**
